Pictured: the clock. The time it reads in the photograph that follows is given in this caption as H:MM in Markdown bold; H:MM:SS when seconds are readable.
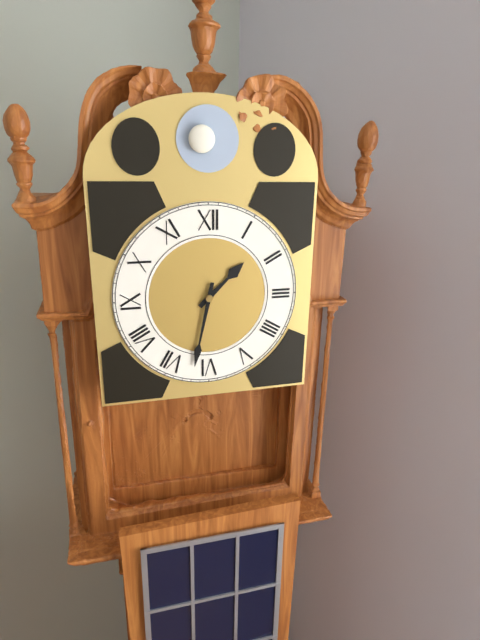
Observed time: **1:32**
